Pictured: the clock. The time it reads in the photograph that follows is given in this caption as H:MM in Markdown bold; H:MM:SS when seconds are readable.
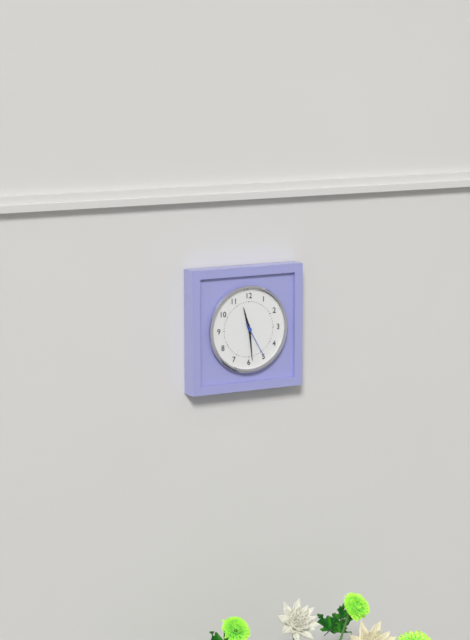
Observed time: **11:29**
